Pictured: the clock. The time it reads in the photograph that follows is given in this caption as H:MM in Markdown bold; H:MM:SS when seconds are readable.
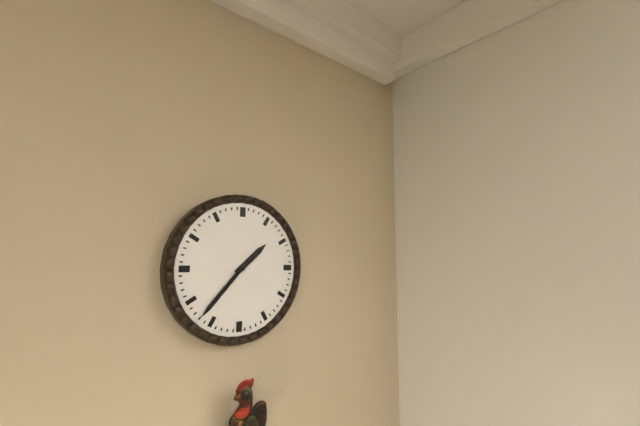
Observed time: **1:37**
